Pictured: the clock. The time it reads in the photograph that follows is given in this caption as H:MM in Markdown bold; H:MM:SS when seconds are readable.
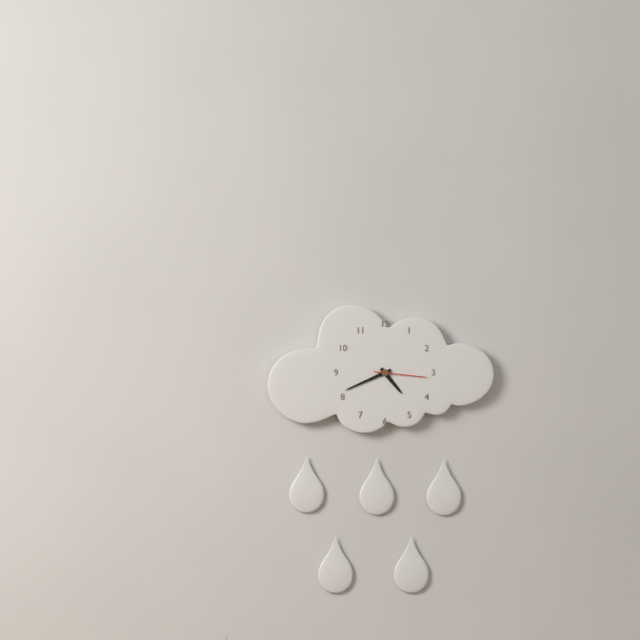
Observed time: **4:41:16**
